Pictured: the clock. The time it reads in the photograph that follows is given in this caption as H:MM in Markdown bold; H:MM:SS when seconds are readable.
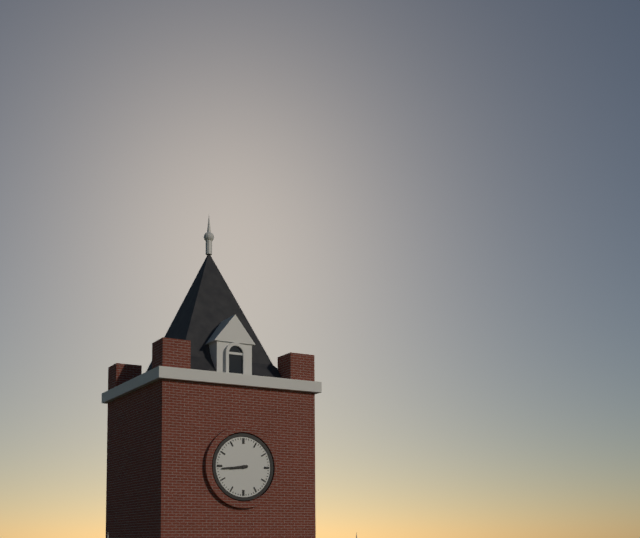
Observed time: **8:44**
